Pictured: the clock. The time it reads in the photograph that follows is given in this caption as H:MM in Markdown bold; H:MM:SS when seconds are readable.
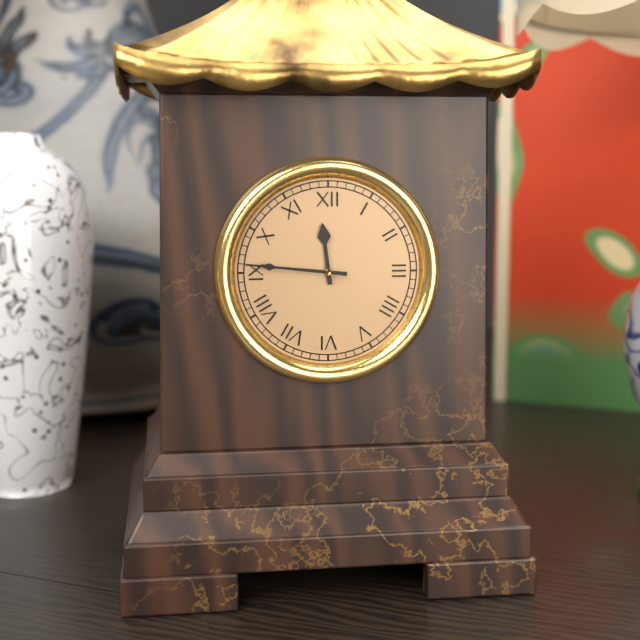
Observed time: **11:46**
